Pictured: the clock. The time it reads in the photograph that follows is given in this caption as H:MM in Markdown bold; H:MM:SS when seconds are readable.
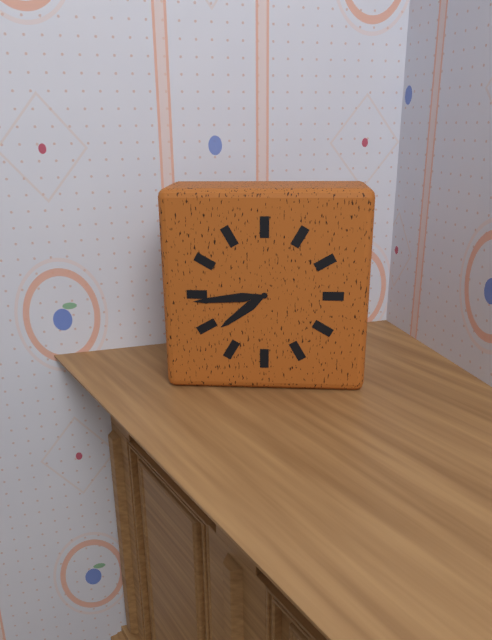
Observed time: **7:44**
